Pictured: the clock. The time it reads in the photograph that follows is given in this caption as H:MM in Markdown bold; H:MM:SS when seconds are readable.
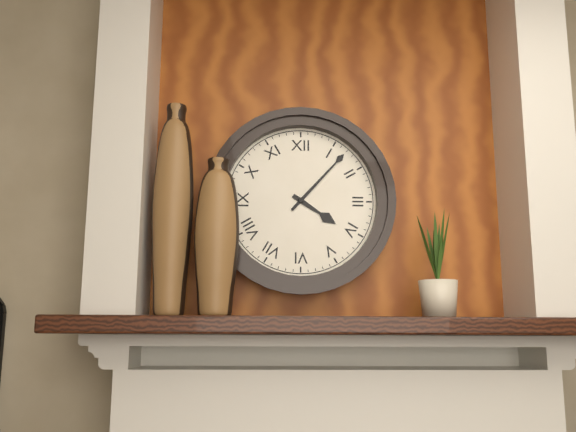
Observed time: **4:07**
